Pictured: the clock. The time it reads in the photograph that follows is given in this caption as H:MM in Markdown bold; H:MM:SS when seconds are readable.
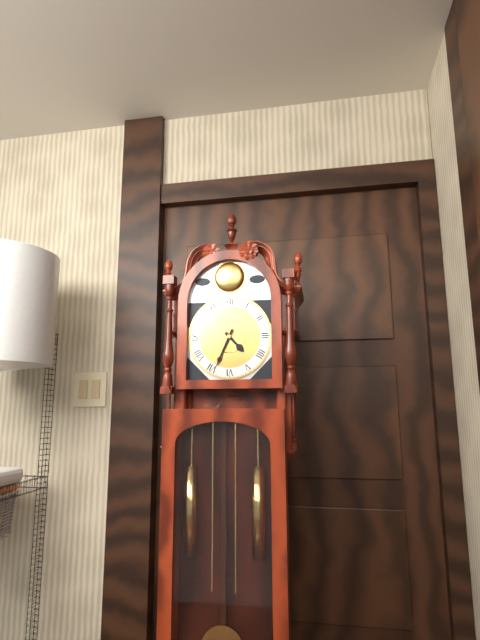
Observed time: **4:34**
